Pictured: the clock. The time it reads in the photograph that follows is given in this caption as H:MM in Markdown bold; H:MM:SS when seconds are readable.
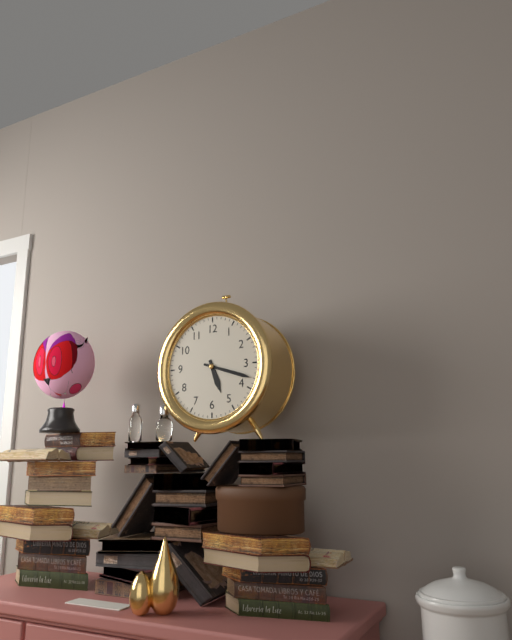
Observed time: **5:18**
